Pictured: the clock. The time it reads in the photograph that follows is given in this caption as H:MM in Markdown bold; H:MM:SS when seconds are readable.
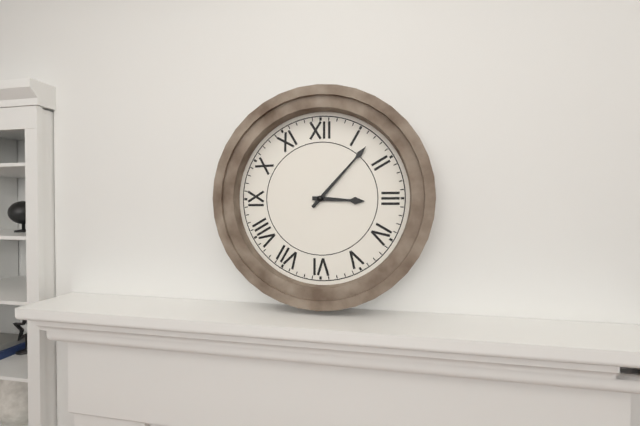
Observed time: **3:07**
